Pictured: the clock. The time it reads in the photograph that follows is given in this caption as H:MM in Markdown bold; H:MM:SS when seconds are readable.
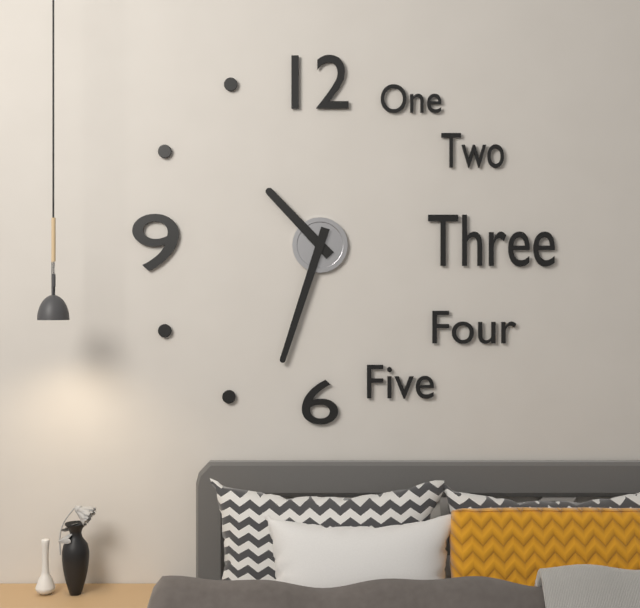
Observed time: **10:33**
